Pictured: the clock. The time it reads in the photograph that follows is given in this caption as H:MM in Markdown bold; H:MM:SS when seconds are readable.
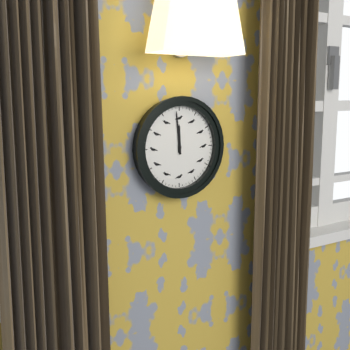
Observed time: **11:59**
